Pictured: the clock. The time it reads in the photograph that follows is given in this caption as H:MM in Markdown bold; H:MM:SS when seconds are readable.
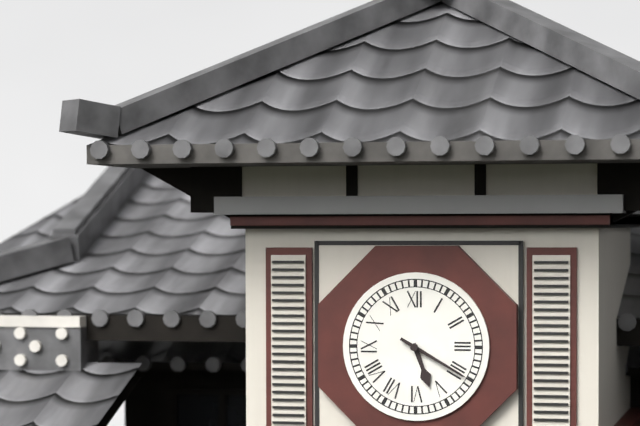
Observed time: **5:20**
